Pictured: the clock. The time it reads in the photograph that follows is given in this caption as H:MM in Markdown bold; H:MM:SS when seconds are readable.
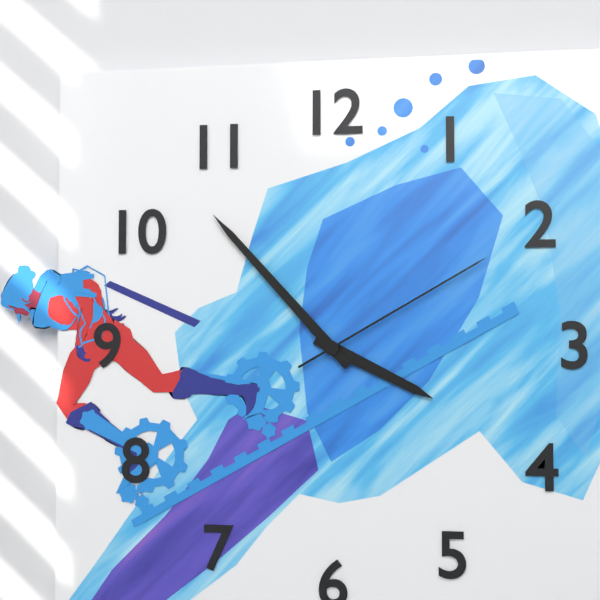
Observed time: **3:53:10**
